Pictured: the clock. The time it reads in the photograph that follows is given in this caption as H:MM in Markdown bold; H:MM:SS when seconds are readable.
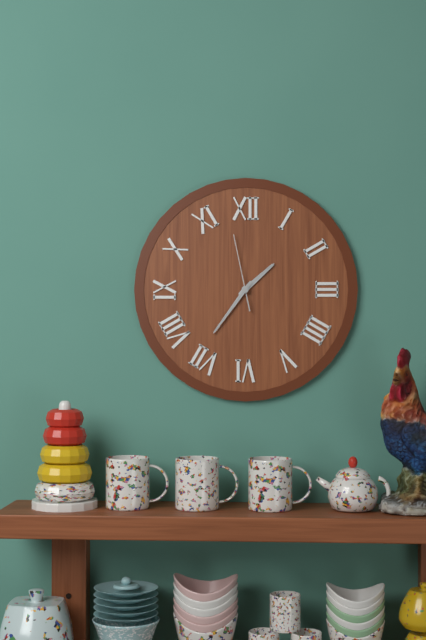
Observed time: **1:36:58**
